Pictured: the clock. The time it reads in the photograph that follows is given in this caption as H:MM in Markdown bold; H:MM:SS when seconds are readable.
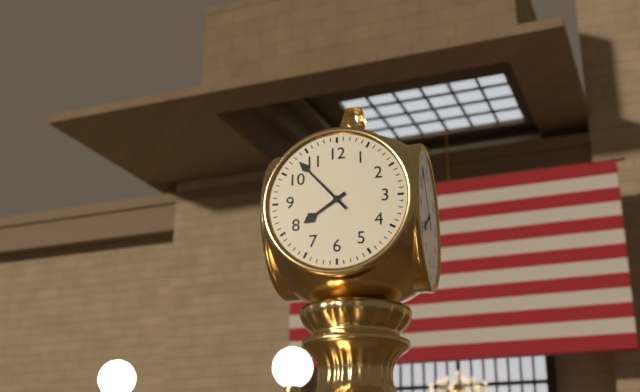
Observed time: **7:53**
